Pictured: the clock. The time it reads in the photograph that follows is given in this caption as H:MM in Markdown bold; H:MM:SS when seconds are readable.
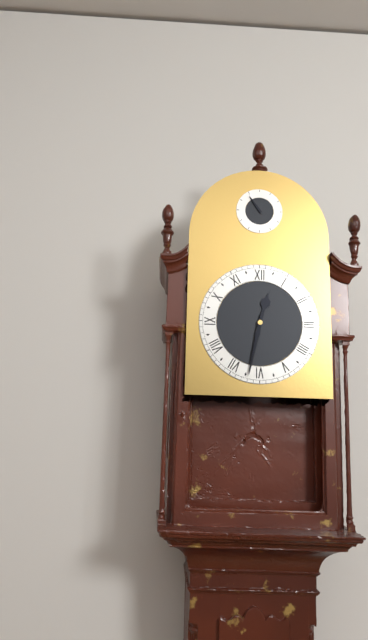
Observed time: **12:32**
